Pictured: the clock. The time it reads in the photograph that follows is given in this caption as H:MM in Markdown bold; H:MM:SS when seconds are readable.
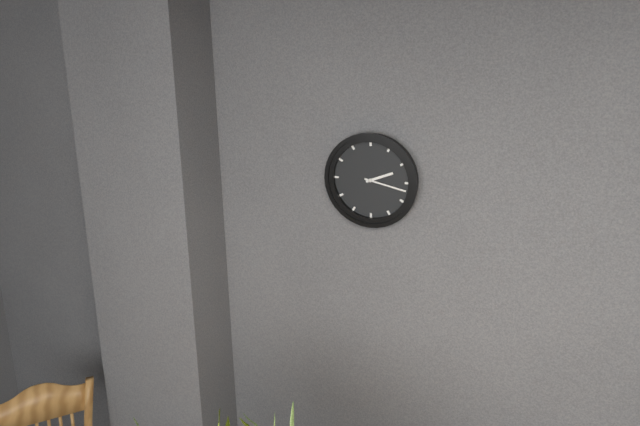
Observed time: **2:17**
